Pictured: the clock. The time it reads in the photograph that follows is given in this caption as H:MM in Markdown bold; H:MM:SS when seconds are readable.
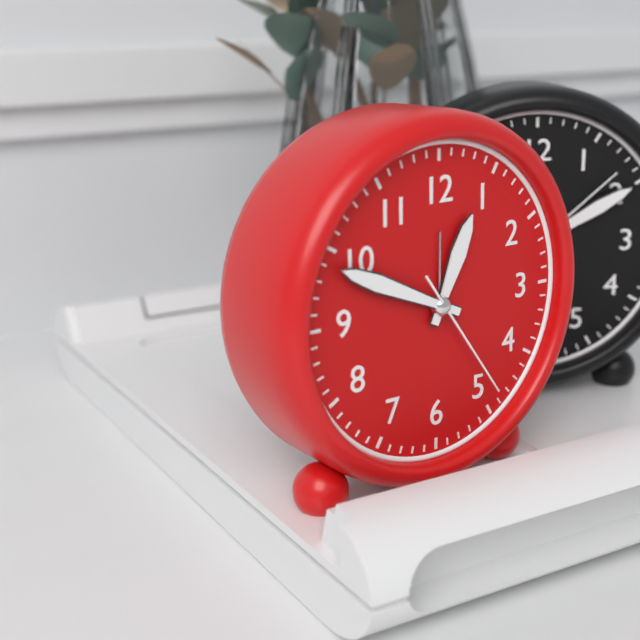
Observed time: **12:49:24**
